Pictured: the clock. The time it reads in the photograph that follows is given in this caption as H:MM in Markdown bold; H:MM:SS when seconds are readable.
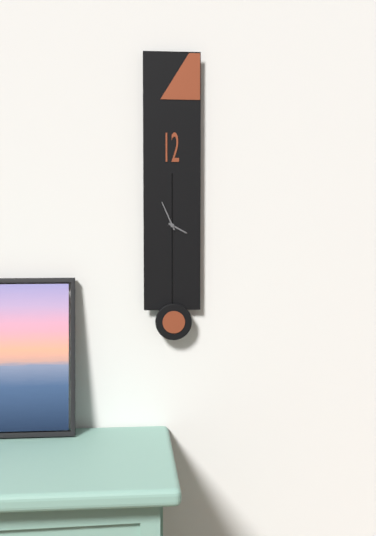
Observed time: **3:56**
